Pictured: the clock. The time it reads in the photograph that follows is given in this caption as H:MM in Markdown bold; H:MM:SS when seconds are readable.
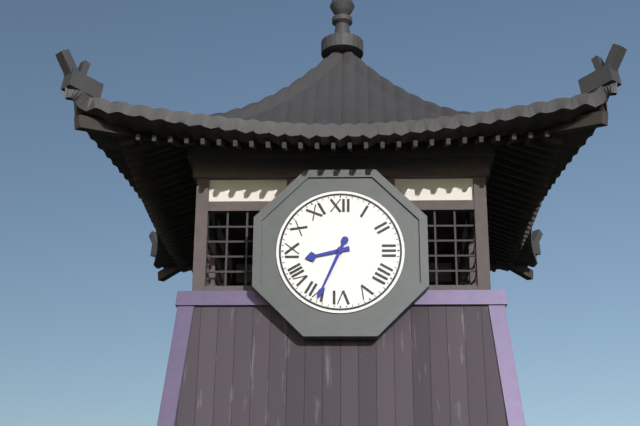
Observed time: **8:34**
